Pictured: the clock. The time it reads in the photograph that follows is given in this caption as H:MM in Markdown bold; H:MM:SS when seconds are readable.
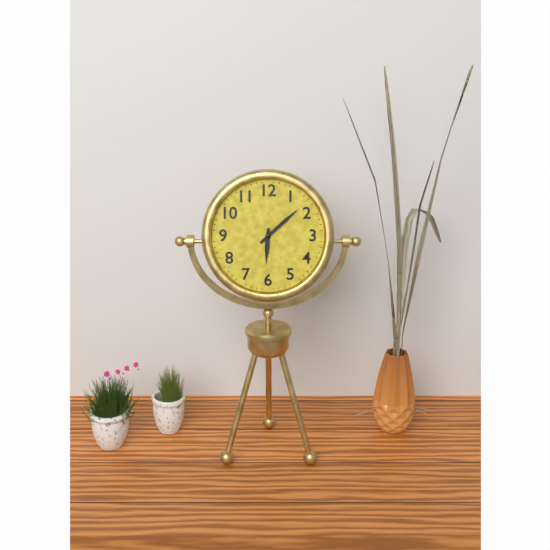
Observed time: **6:08**
